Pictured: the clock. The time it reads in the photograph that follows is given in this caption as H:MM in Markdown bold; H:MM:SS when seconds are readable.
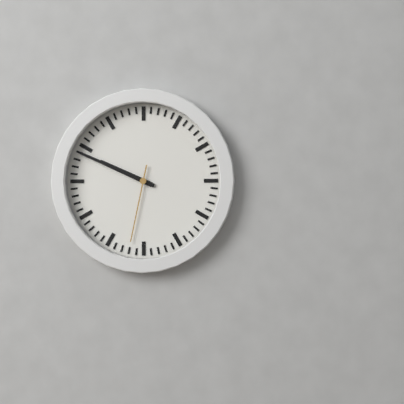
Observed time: **9:49:32**
